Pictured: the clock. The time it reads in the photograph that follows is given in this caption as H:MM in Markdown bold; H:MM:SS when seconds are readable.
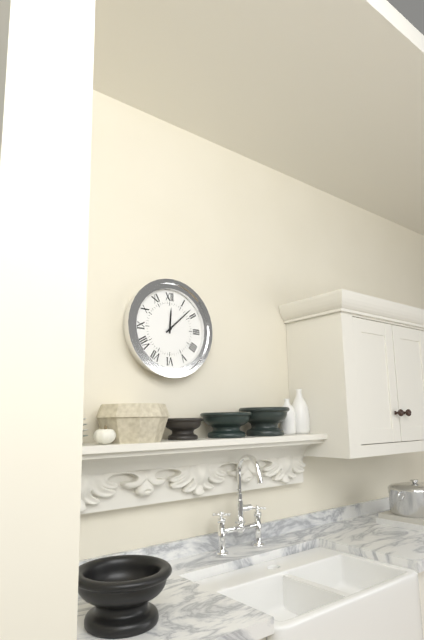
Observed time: **12:08**
